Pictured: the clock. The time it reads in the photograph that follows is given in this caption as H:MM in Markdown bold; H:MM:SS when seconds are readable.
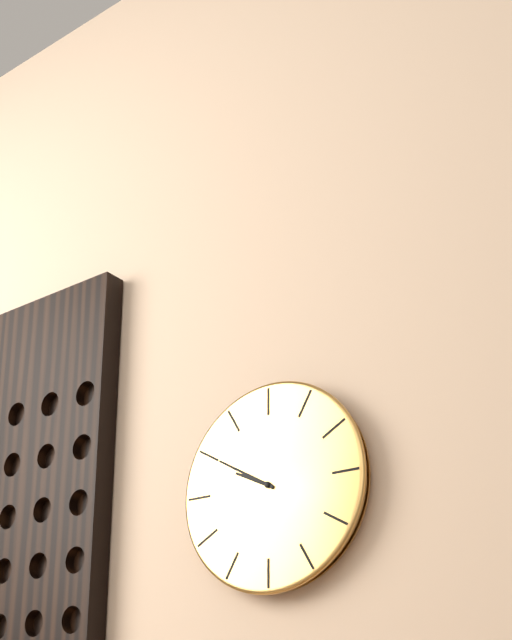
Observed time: **9:50**
